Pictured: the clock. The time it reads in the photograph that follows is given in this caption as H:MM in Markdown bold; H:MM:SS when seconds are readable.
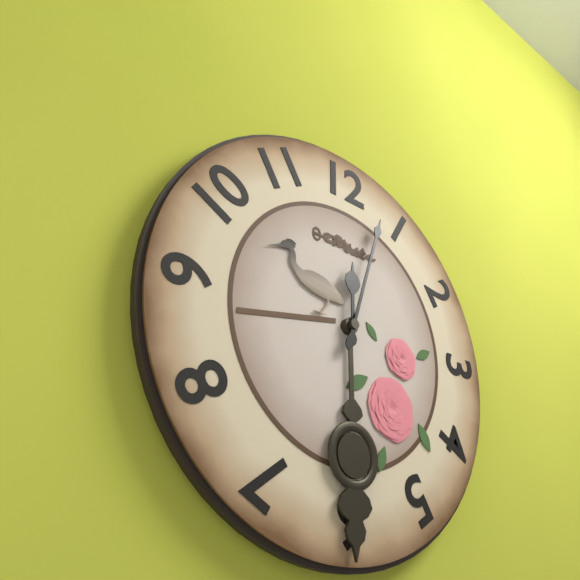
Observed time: **12:03**
